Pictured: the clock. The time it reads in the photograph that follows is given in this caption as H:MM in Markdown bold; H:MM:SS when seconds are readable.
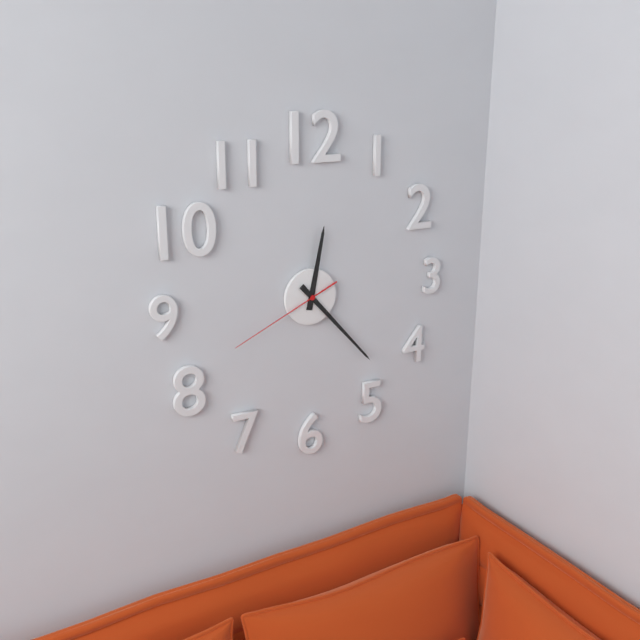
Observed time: **12:23:41**
